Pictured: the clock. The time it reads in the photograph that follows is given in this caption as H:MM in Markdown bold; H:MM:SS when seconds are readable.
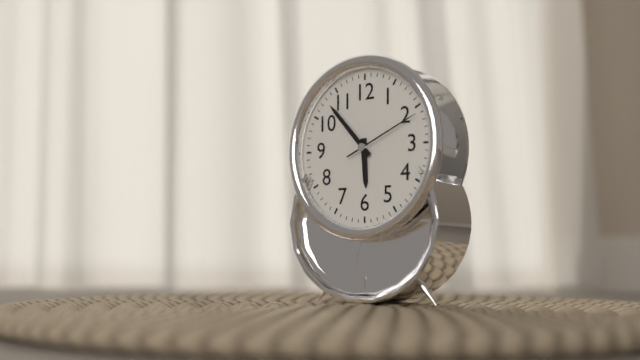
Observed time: **5:53:11**
